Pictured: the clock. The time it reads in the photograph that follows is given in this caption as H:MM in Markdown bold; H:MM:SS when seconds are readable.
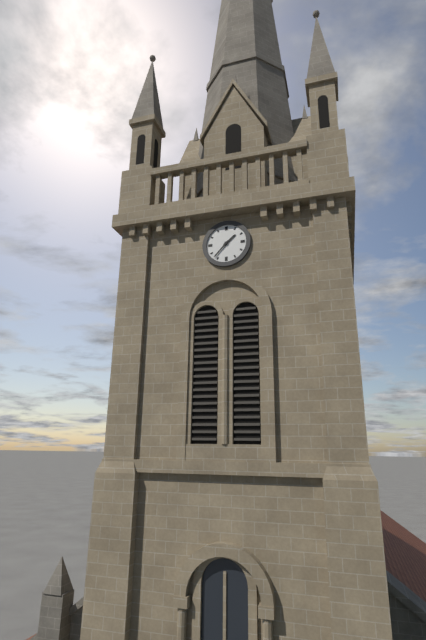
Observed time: **1:37**
